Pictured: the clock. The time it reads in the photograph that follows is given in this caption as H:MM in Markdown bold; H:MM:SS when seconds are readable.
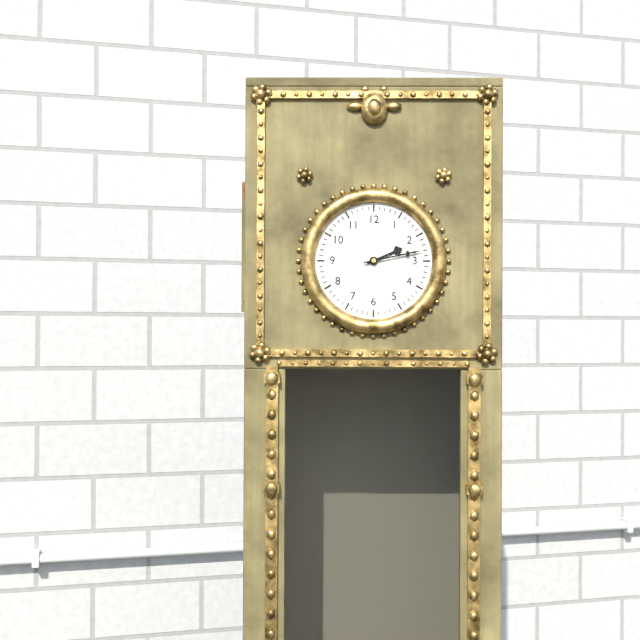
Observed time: **2:13**
